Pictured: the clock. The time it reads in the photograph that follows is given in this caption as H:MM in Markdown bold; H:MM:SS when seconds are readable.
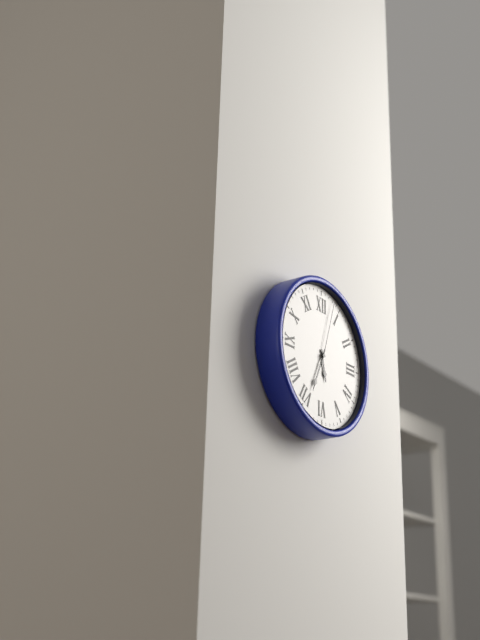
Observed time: **5:34:03**
